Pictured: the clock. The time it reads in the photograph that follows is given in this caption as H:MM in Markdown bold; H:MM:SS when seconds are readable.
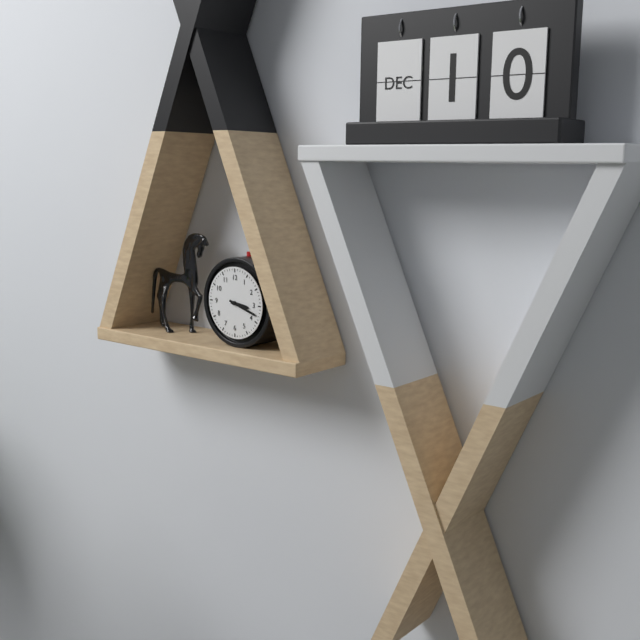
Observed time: **3:18**
